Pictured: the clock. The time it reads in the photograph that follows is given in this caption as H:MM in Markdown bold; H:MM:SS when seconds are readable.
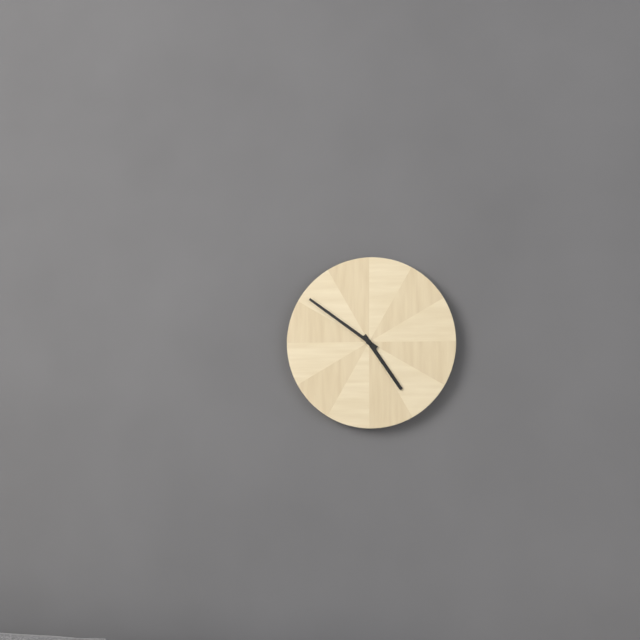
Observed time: **4:51**
